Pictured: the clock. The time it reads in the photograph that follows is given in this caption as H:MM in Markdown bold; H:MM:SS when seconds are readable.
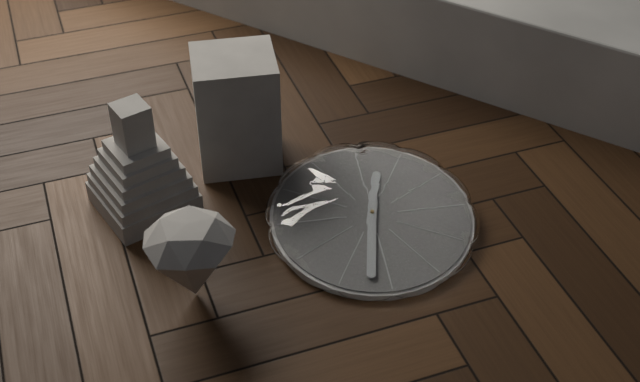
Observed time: **12:32**
